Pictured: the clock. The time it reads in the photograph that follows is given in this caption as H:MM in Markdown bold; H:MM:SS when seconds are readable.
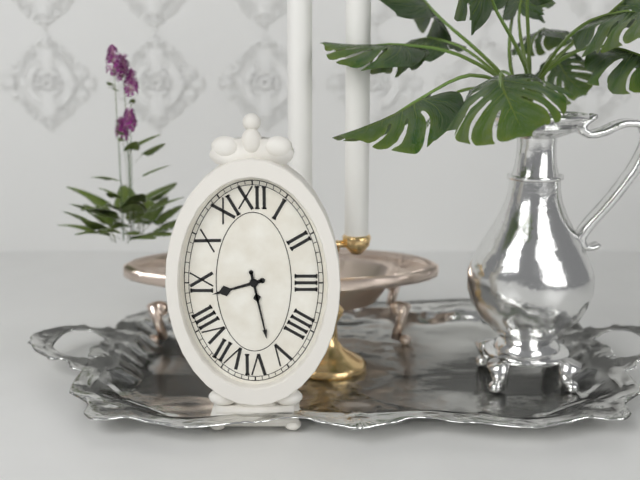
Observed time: **8:28**
